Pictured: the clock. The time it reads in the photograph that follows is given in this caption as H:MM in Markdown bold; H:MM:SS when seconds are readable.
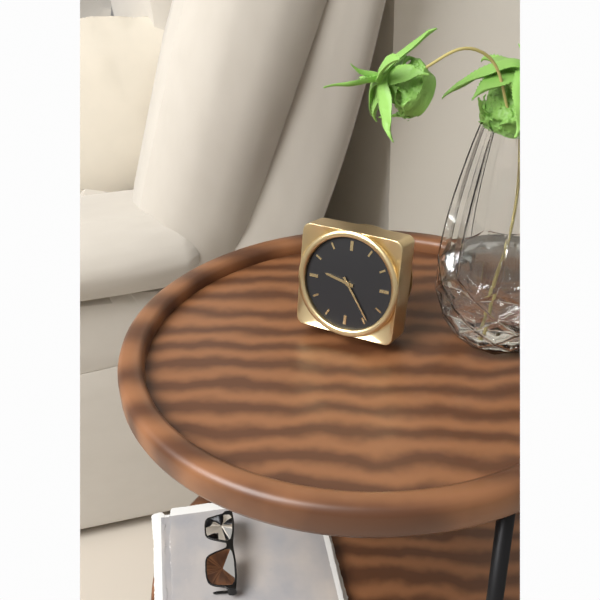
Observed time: **9:24**
